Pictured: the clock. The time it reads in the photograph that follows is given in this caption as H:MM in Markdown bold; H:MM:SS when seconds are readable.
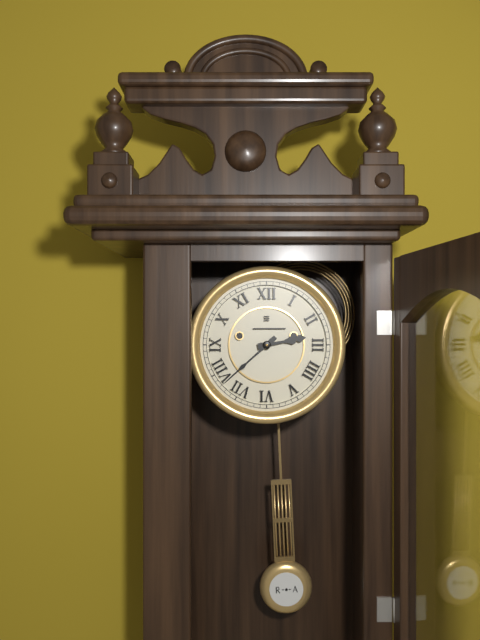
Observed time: **2:38**
